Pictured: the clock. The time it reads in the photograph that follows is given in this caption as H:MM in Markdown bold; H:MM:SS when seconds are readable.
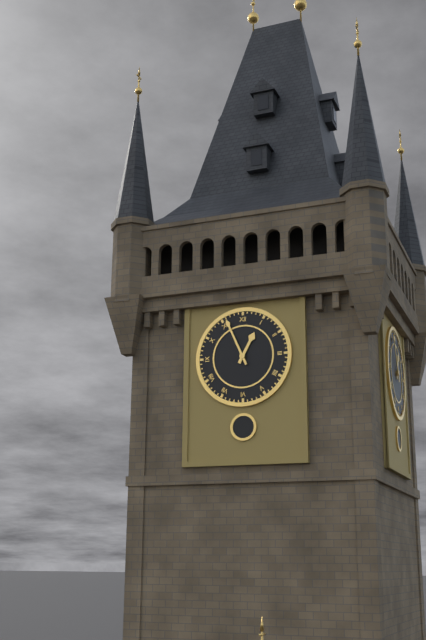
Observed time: **12:56**
